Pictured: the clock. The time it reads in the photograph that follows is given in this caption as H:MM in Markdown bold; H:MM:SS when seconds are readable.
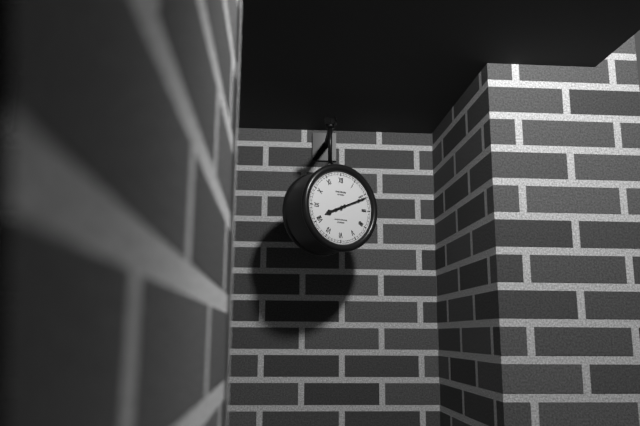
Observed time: **8:11**
